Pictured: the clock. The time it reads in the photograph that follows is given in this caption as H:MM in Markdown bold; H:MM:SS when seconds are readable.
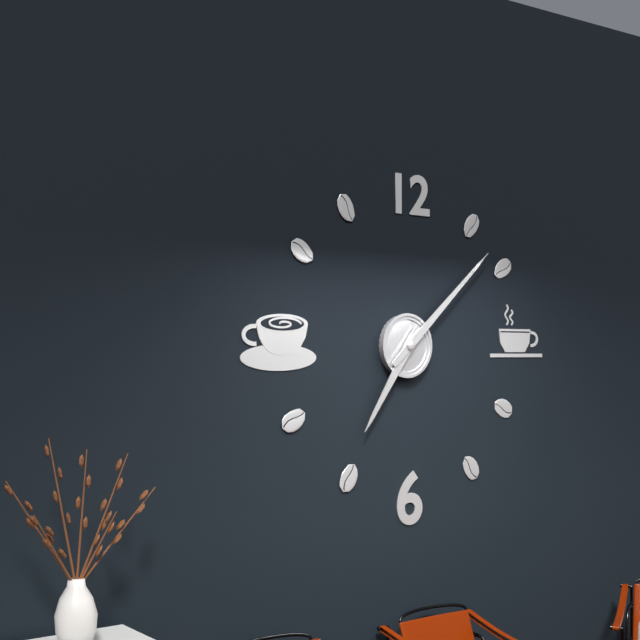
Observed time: **7:08**
